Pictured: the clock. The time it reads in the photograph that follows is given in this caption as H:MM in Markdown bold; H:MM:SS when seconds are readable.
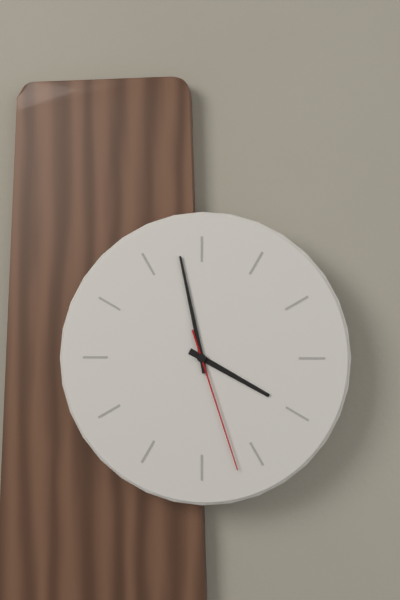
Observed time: **3:58:27**
